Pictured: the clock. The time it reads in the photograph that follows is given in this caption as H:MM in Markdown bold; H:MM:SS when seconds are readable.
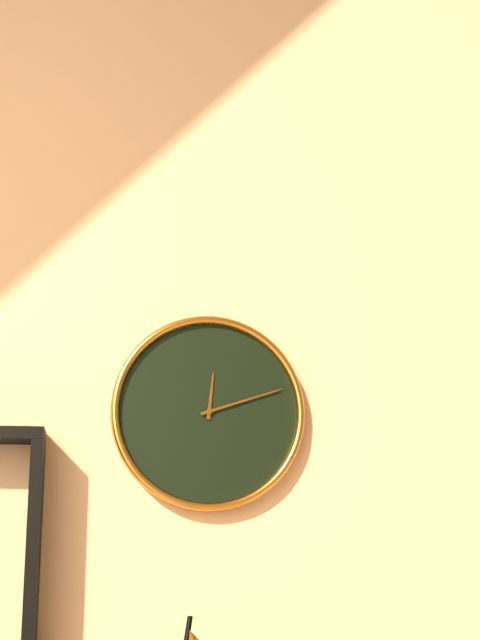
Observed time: **12:12**
